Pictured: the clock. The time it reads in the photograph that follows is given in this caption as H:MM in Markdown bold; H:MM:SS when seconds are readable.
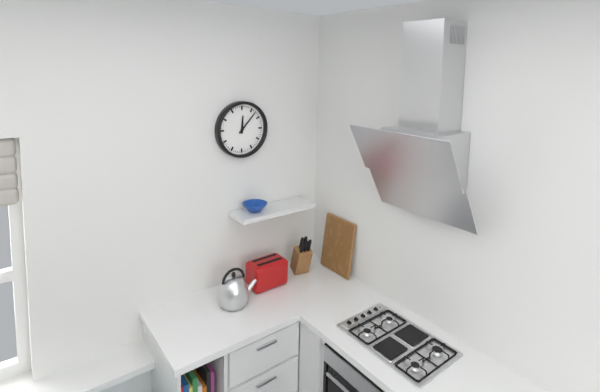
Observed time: **12:07**
